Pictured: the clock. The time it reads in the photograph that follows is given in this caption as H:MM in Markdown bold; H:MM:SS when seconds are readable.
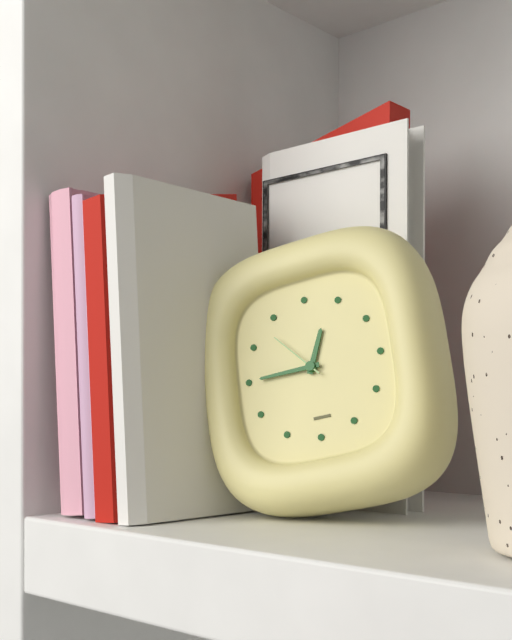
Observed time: **12:45:53**
